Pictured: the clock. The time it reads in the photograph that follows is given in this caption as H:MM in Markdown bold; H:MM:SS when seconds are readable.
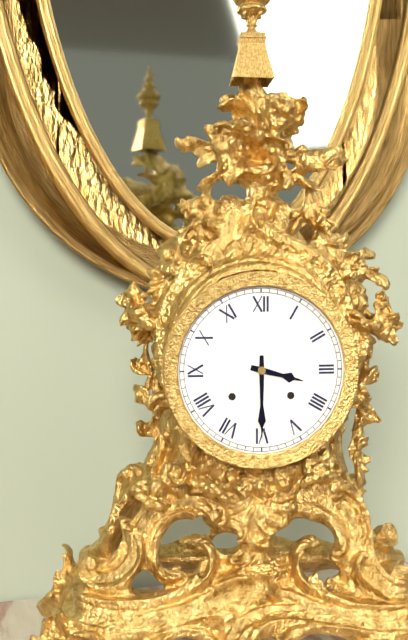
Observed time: **3:30**
